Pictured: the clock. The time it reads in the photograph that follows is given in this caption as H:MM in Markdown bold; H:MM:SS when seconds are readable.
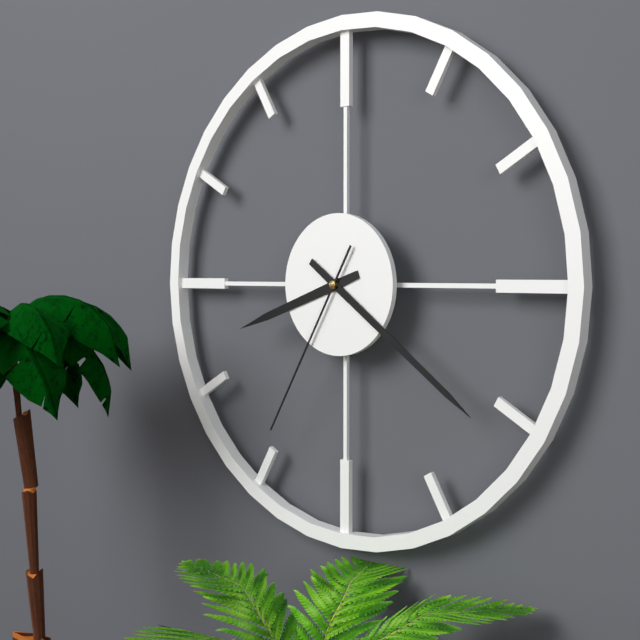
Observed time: **8:21:35**
